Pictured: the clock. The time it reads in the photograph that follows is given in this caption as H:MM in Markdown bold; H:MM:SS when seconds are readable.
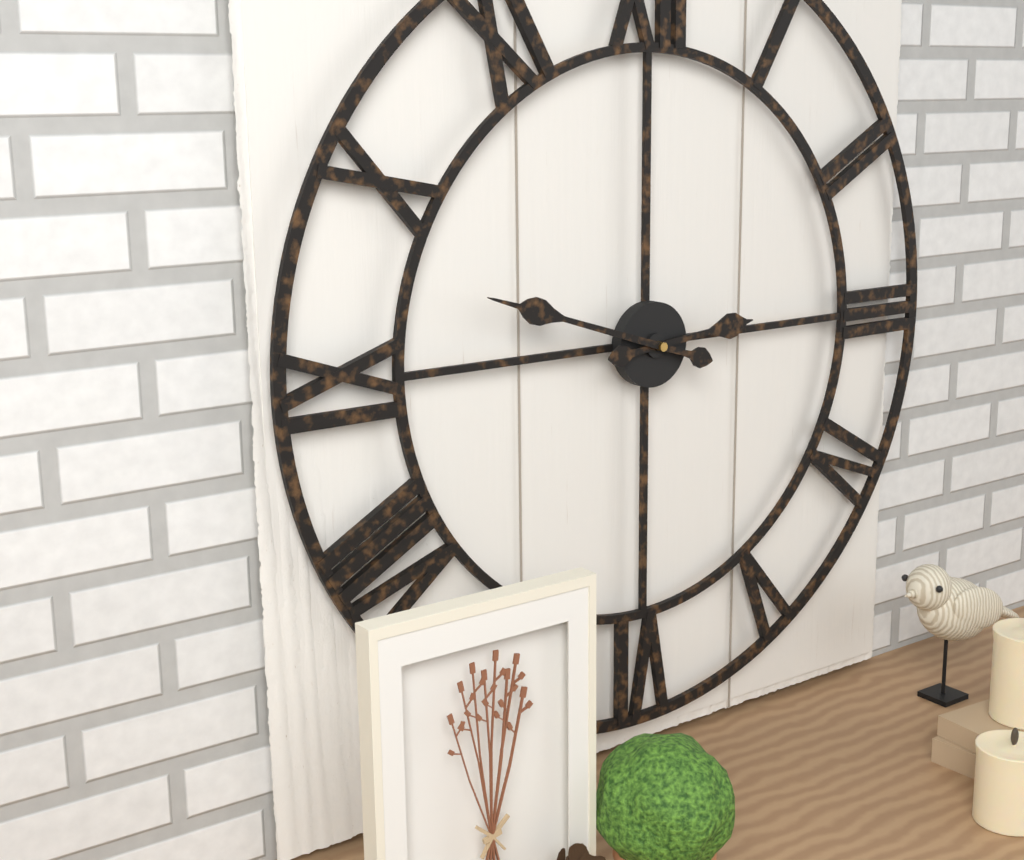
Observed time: **2:48**
